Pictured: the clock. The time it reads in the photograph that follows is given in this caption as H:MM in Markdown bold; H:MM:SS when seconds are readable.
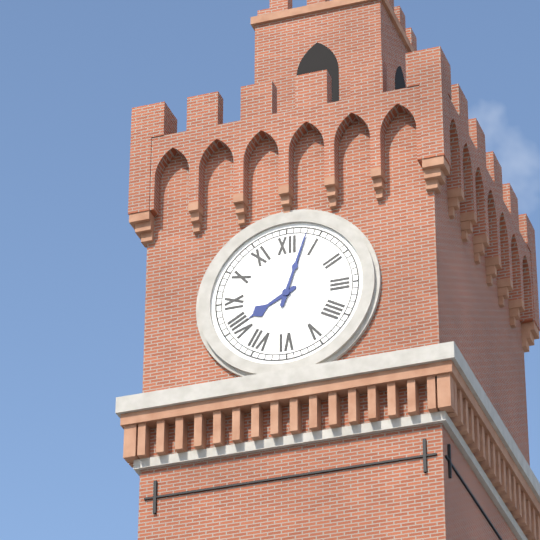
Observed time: **8:03**
